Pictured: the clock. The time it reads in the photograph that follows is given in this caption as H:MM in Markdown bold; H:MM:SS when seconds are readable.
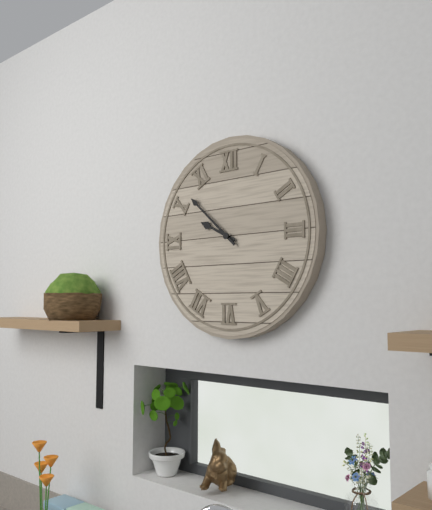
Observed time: **9:52**
